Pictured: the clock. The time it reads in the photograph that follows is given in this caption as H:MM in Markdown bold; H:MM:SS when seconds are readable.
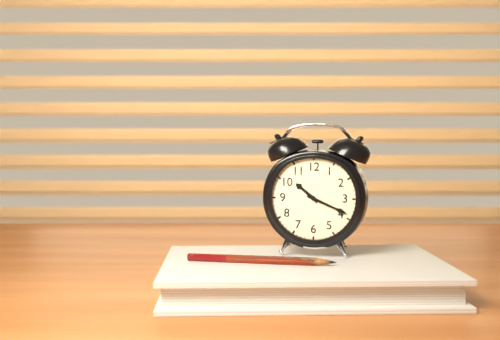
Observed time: **10:19**
